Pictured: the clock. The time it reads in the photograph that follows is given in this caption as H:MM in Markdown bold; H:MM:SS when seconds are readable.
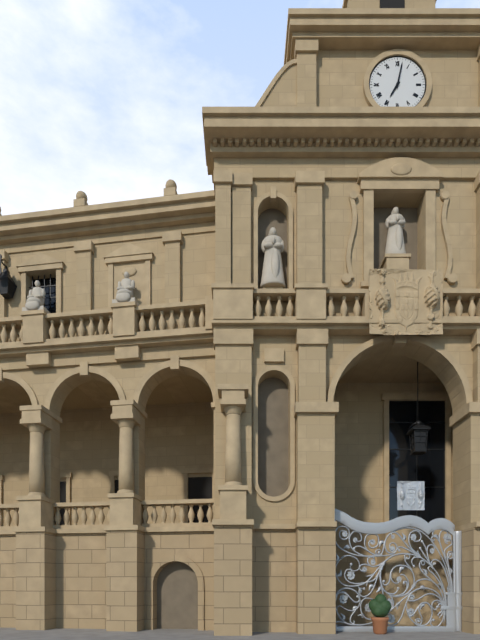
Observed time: **7:02**
